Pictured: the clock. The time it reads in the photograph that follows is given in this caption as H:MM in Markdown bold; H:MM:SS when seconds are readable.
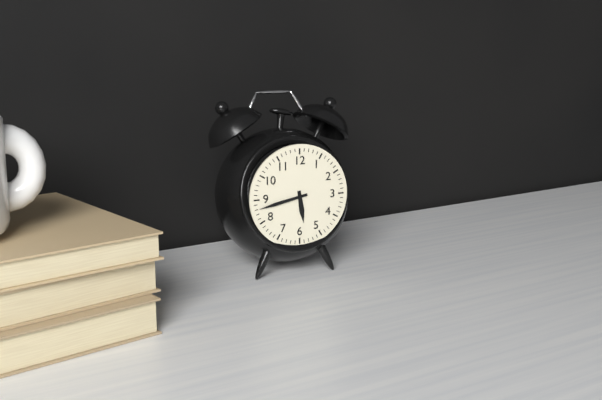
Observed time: **5:43**
